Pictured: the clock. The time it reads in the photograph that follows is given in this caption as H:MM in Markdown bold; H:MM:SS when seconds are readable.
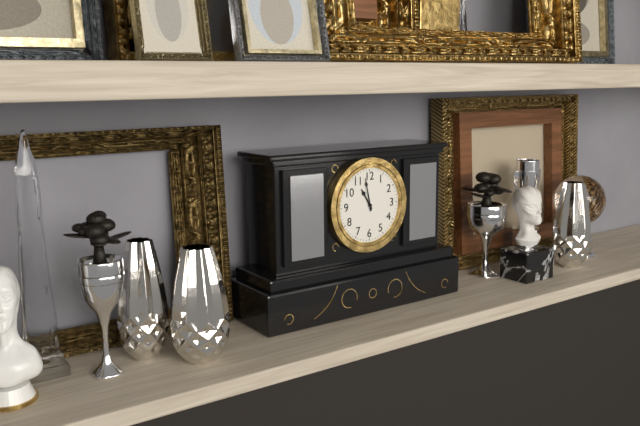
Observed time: **10:58**
